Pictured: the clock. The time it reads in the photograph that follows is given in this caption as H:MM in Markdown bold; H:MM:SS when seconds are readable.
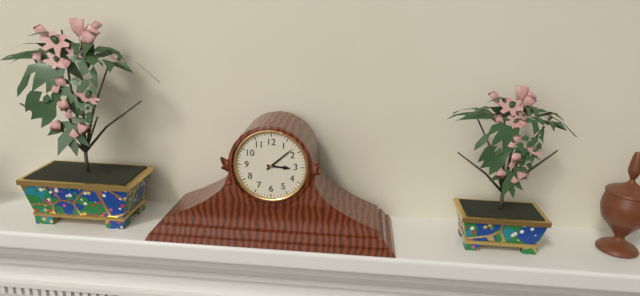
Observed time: **3:08**
